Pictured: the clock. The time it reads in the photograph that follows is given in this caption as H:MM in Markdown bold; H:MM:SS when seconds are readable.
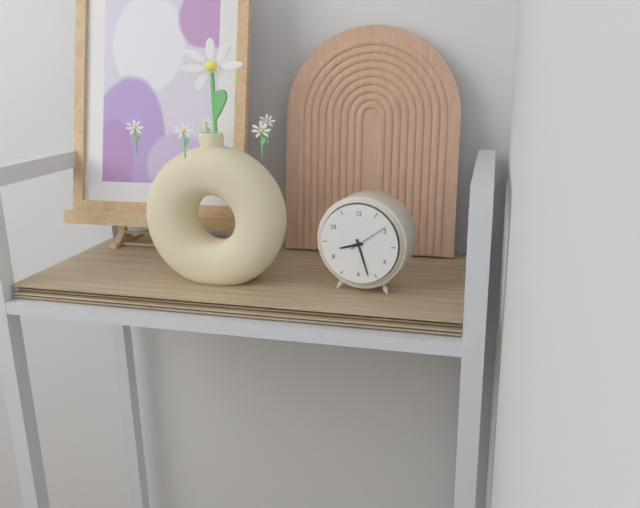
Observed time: **8:27**
